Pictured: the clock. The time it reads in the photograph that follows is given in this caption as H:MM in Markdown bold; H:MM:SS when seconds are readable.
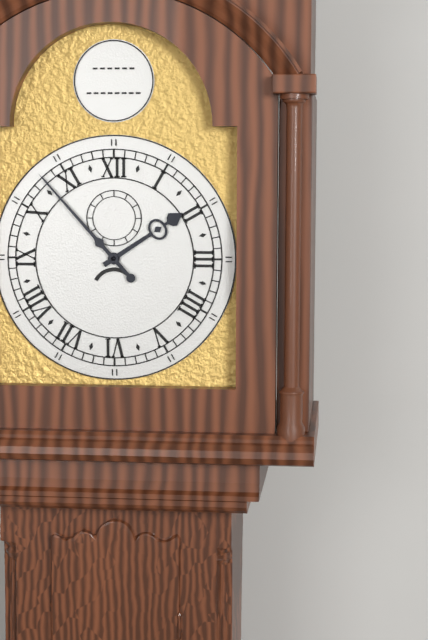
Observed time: **1:53**
